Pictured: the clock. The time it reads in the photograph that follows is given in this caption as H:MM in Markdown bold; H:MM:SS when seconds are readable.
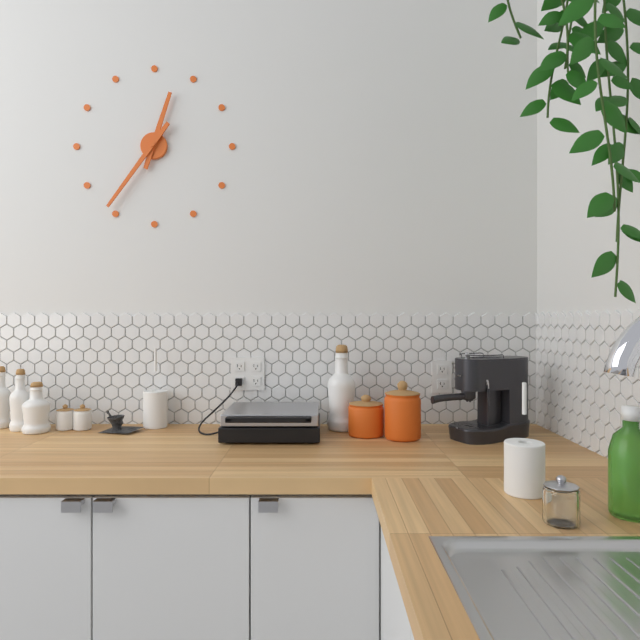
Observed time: **12:36**
